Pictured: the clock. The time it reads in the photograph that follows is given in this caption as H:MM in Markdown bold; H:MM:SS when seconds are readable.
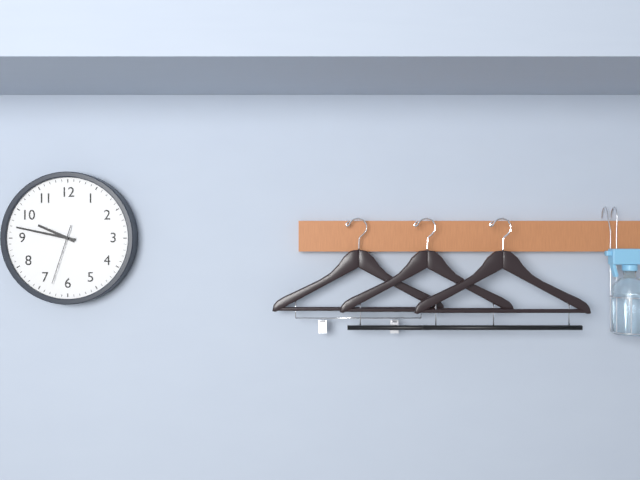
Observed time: **9:47:33**
